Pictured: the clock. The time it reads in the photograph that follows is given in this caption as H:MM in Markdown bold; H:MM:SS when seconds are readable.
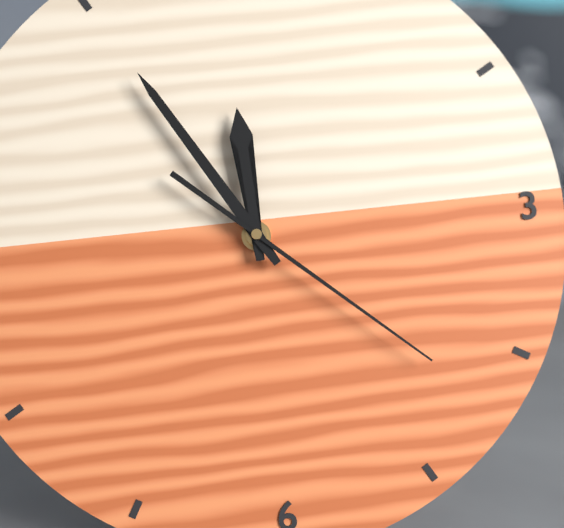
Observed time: **11:55:22**
